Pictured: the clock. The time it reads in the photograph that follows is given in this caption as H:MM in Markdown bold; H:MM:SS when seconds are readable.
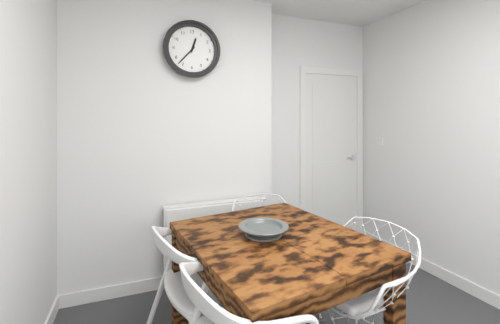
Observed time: **12:37**
